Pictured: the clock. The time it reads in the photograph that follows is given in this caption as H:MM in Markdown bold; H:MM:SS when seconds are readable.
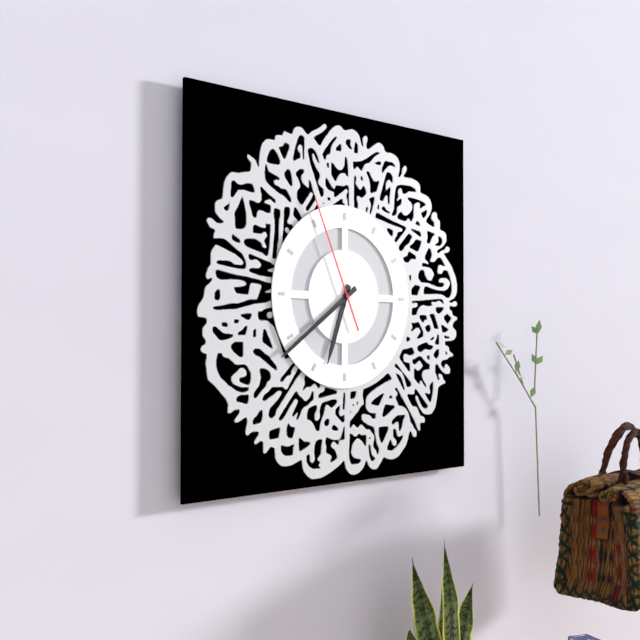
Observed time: **6:39:56**
